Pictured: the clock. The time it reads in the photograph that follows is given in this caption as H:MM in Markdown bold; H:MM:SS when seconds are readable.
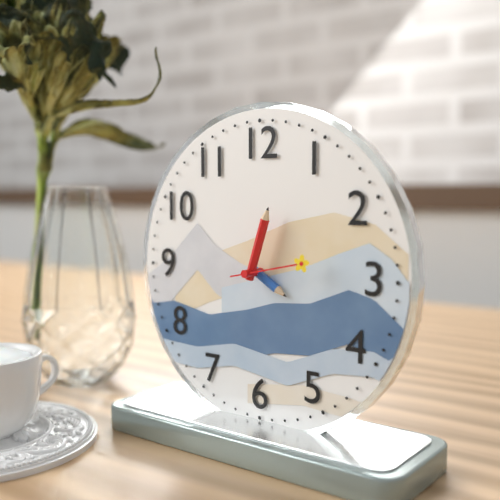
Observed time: **4:03:13**
